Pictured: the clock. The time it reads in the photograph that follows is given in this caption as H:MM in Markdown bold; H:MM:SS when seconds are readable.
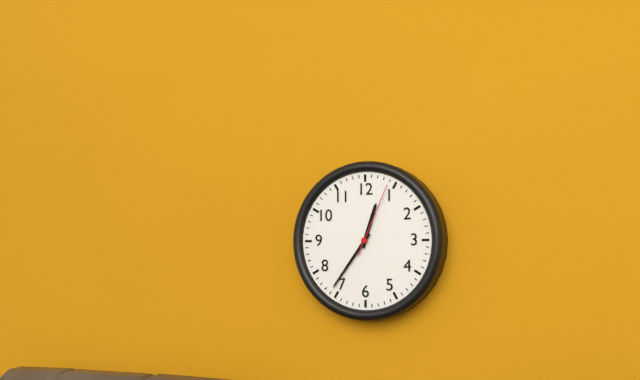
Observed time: **12:36:04**
